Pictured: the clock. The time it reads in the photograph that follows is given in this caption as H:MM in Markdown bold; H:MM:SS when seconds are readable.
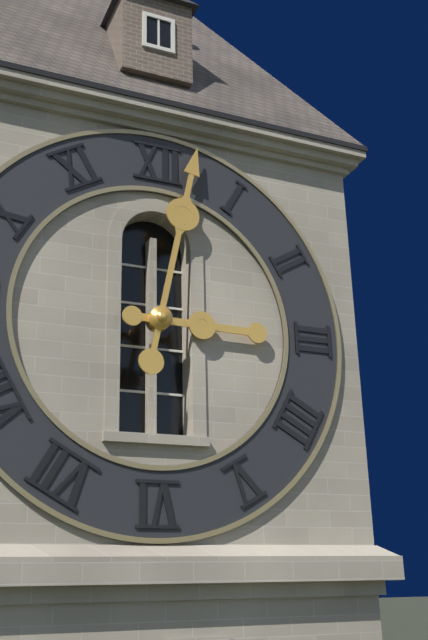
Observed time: **3:02**
